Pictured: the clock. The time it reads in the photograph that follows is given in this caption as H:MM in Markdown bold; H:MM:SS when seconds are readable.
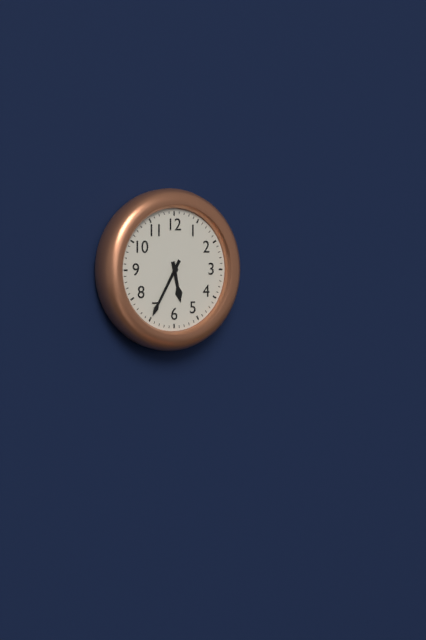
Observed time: **5:35**
